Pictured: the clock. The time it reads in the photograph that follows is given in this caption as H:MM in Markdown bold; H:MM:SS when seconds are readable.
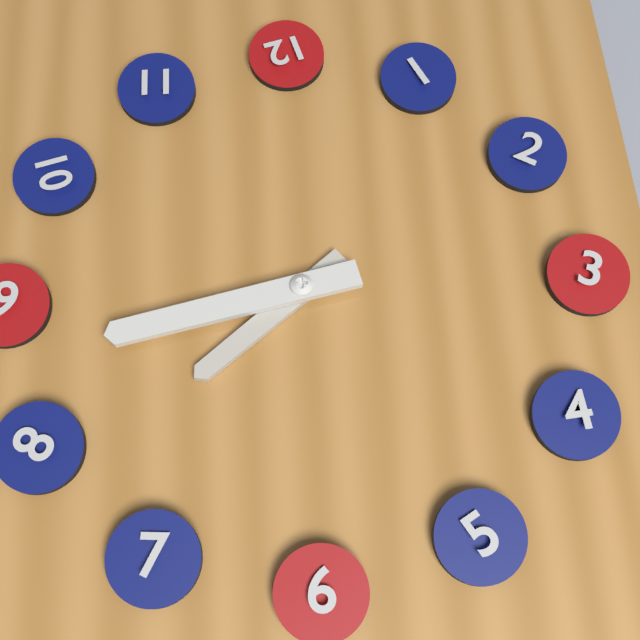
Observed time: **7:43**
